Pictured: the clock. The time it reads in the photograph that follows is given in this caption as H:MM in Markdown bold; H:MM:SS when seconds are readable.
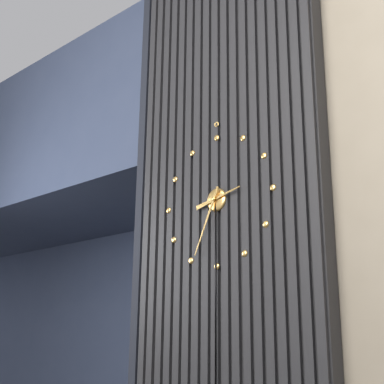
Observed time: **2:34**
